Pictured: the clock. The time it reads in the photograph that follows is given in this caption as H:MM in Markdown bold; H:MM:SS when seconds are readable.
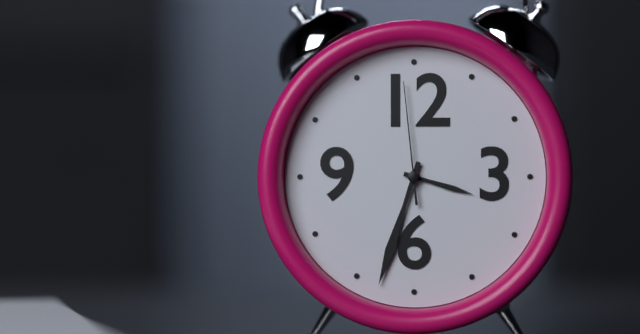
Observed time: **3:33:59**
